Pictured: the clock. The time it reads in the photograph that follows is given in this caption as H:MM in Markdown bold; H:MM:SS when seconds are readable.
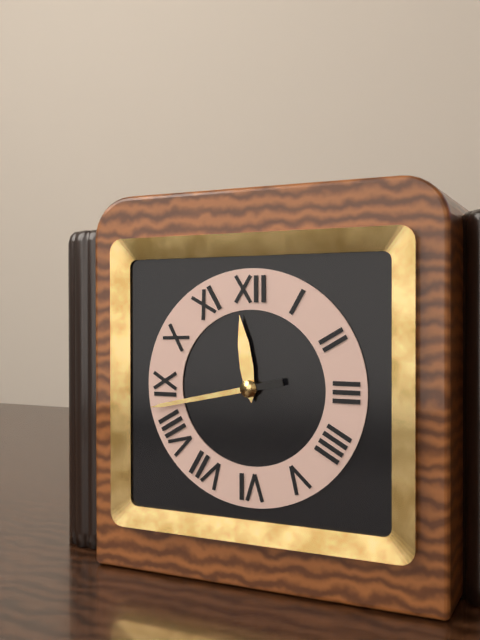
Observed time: **11:43**
